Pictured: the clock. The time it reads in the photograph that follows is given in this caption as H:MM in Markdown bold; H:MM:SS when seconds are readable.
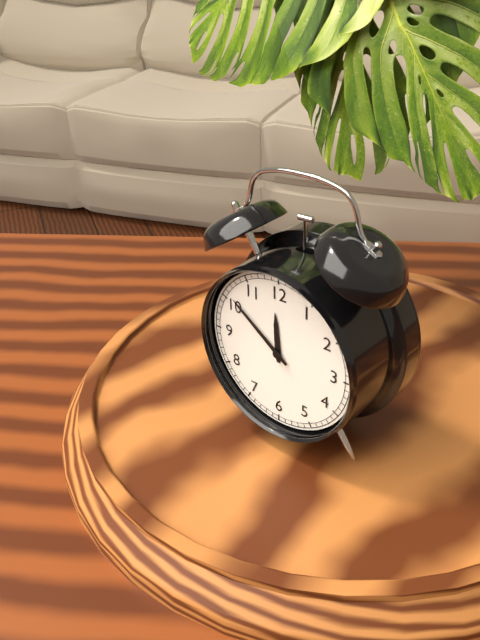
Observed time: **11:51**
